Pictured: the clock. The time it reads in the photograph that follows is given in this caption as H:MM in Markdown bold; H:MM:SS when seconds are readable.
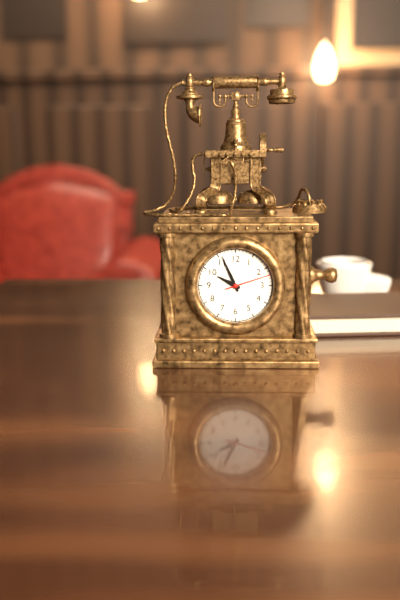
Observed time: **9:56**
